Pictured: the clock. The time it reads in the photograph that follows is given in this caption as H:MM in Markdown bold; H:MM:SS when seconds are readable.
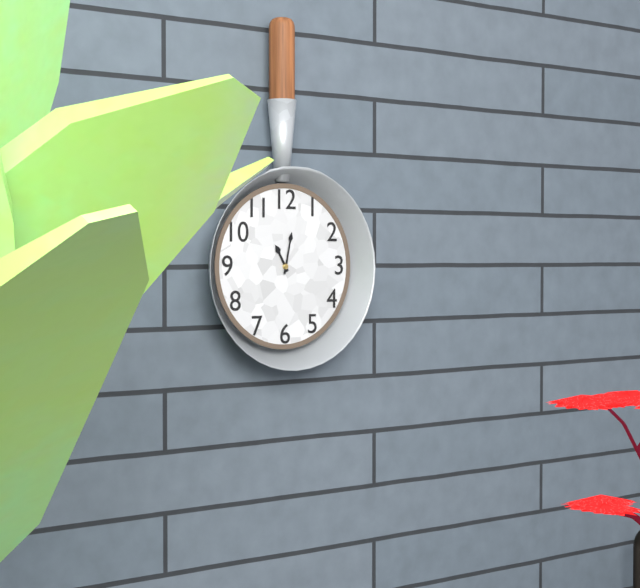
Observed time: **11:02**
